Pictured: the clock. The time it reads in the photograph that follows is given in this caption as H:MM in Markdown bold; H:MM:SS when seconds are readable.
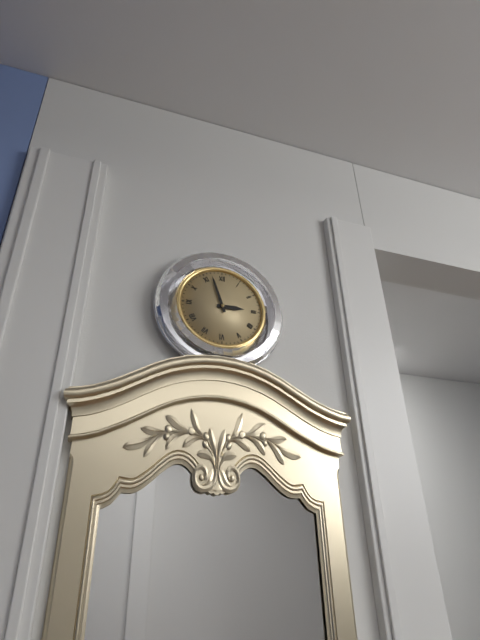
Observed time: **2:57**
